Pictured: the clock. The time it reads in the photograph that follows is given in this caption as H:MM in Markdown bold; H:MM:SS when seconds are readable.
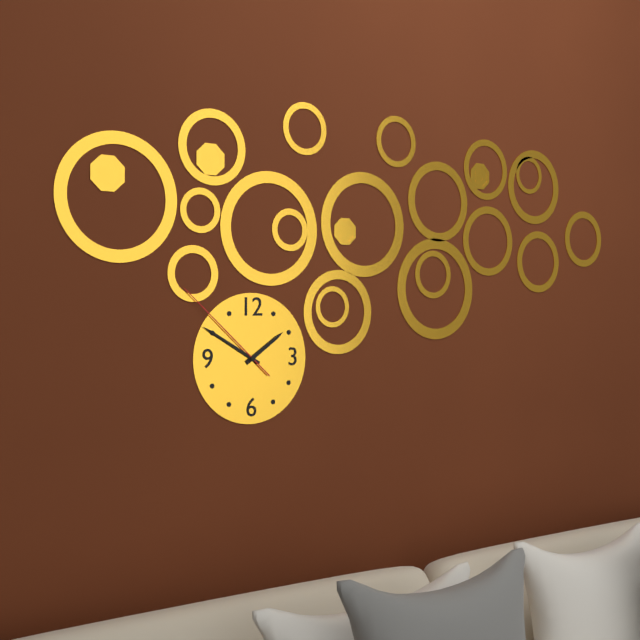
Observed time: **1:50:52**
